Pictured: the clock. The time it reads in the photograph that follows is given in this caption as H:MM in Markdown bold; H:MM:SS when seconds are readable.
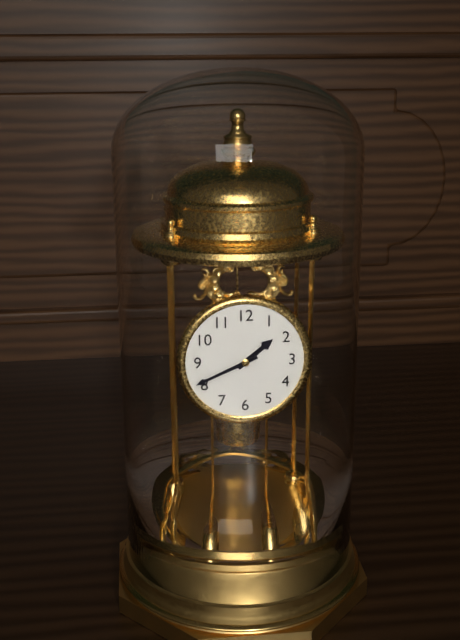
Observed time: **1:41**
